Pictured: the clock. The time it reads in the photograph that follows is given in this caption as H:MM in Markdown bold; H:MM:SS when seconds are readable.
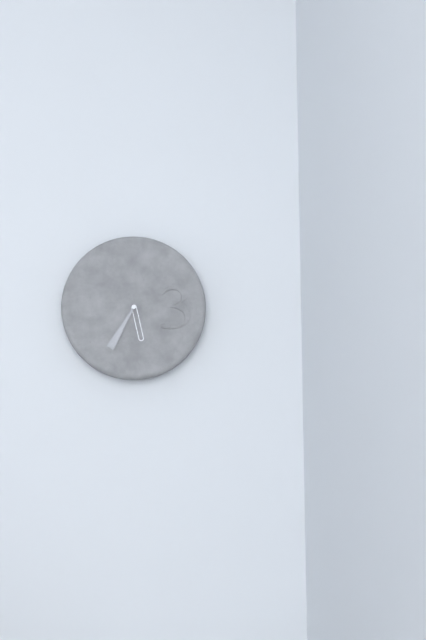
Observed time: **5:35**
